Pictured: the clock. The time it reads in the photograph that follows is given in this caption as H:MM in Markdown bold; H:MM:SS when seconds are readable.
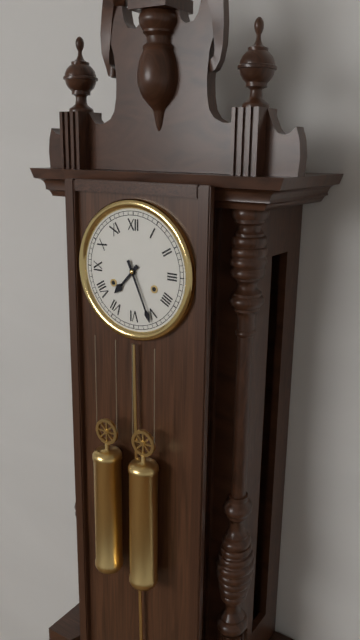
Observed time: **7:26**
